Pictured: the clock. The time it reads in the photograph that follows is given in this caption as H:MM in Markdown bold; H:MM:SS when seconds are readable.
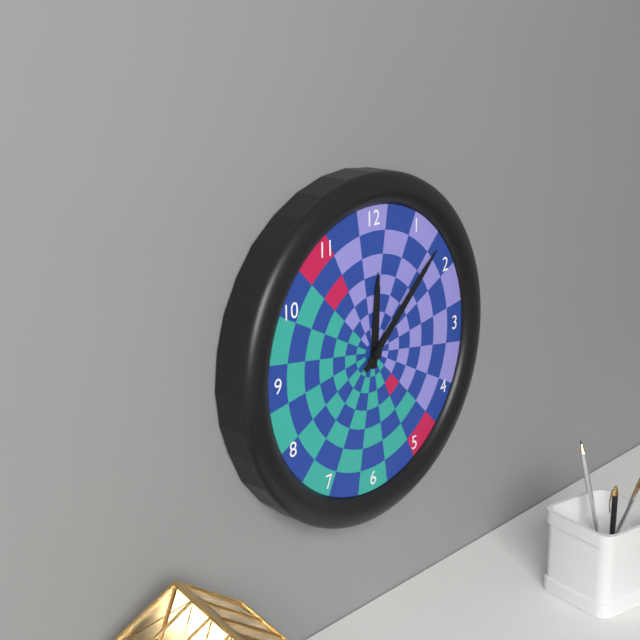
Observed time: **12:08**
